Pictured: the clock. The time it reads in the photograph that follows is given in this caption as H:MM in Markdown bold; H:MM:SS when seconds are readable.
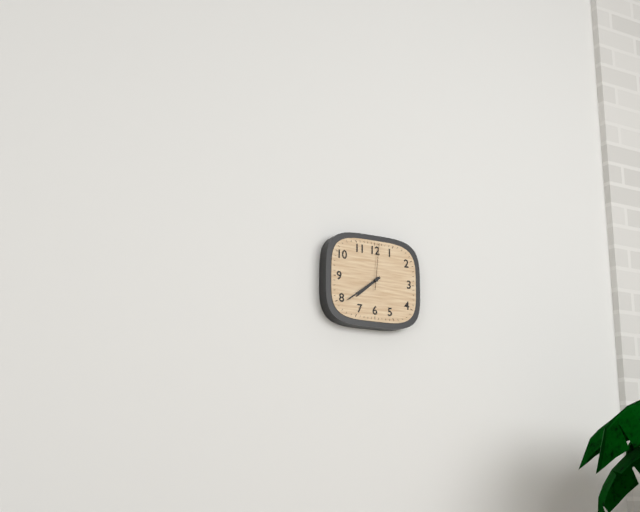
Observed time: **7:39:01**
